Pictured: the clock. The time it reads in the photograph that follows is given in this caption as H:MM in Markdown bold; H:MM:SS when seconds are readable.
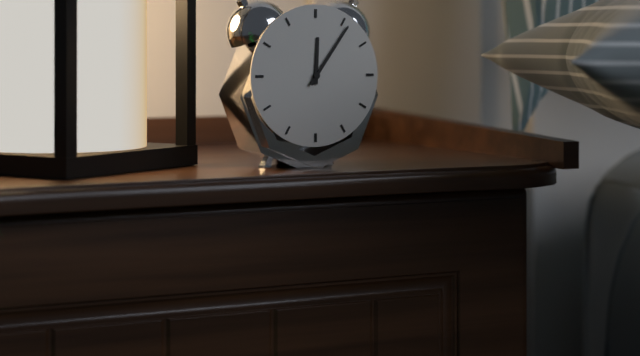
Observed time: **12:06**
